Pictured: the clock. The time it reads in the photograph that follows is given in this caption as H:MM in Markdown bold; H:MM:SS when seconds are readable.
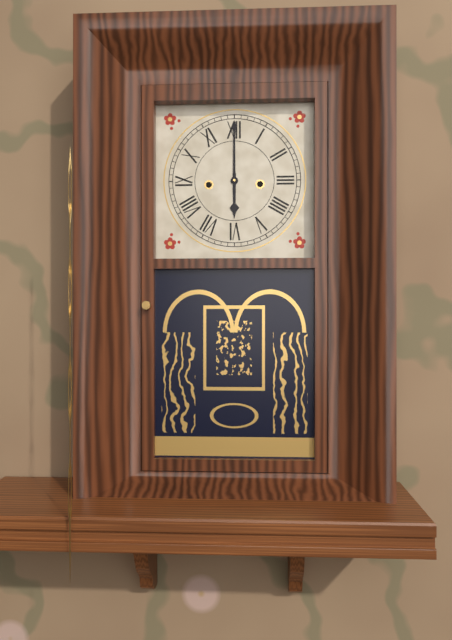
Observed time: **6:00**
